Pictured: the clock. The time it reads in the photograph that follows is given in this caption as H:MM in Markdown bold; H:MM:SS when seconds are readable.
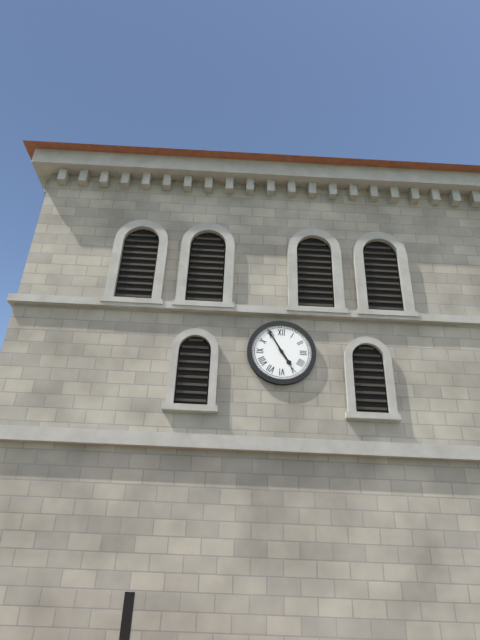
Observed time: **4:55**
